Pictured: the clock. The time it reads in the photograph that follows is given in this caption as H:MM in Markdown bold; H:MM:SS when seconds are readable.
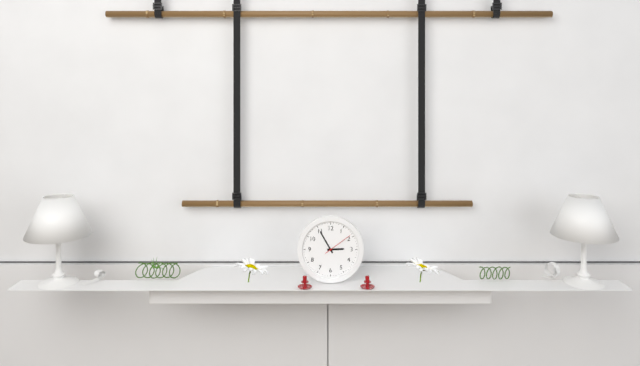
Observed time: **2:55**
